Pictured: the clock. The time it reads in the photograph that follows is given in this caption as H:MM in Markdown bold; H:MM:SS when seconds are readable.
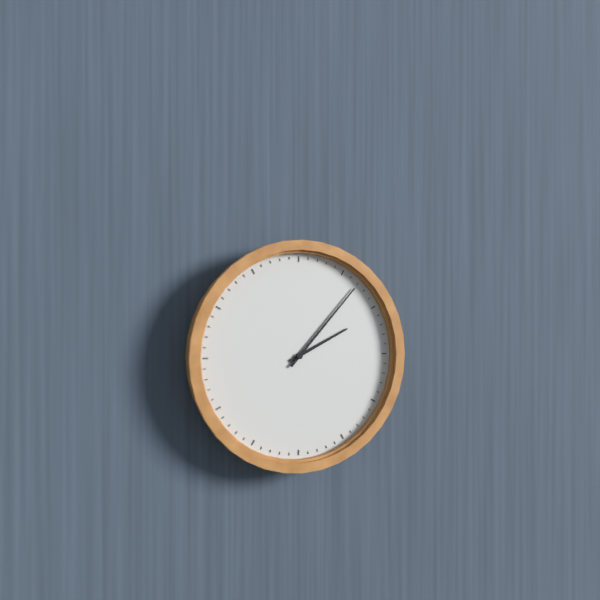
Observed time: **2:07**
